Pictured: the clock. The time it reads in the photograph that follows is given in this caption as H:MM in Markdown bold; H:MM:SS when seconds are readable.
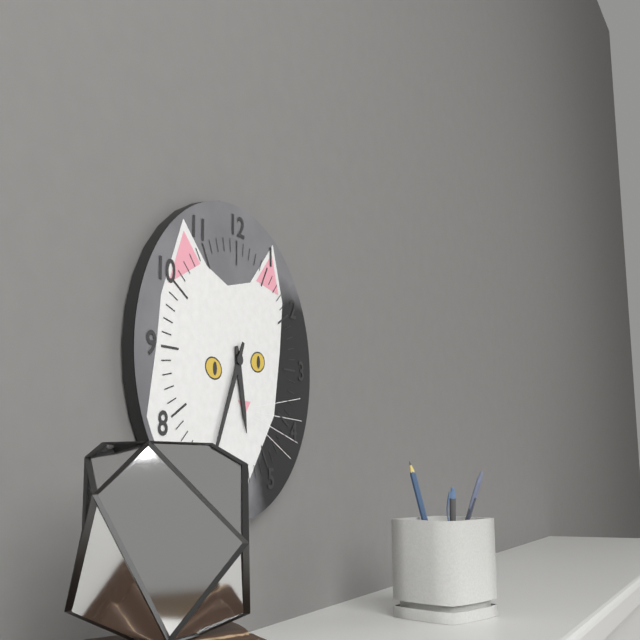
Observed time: **5:34**
